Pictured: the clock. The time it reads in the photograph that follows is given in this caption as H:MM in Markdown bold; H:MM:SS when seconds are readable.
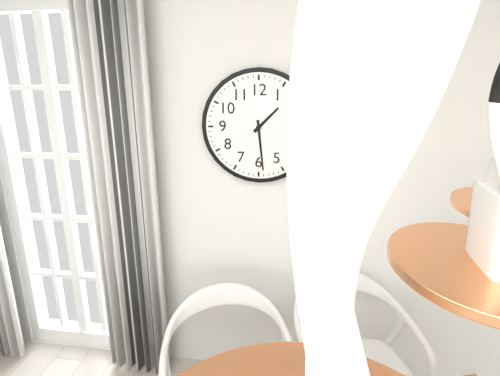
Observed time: **1:29**
